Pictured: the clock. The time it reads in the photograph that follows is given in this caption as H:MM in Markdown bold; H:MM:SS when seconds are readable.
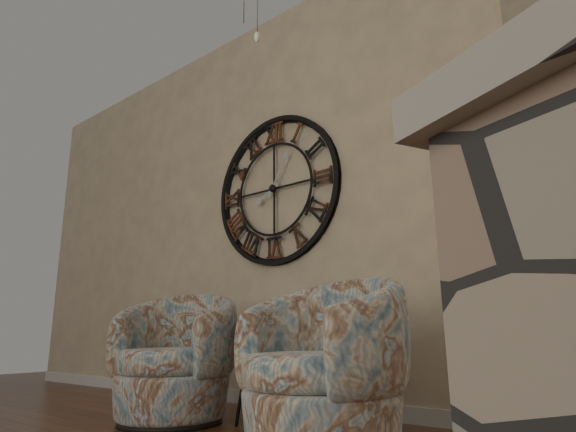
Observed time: **8:05**
